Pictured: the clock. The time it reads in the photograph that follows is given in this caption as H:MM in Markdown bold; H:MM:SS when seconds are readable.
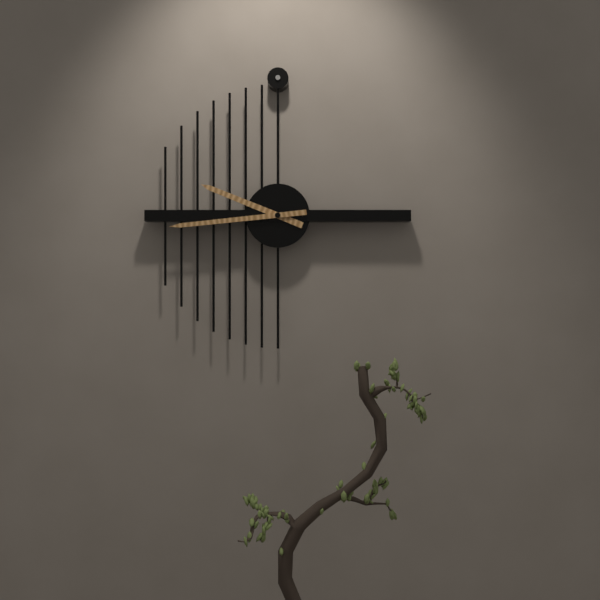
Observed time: **9:44**
